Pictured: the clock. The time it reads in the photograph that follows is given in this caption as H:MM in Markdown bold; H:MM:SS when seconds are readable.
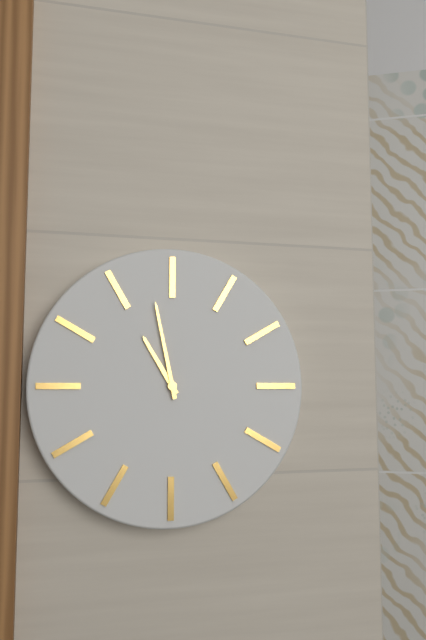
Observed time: **10:58**
